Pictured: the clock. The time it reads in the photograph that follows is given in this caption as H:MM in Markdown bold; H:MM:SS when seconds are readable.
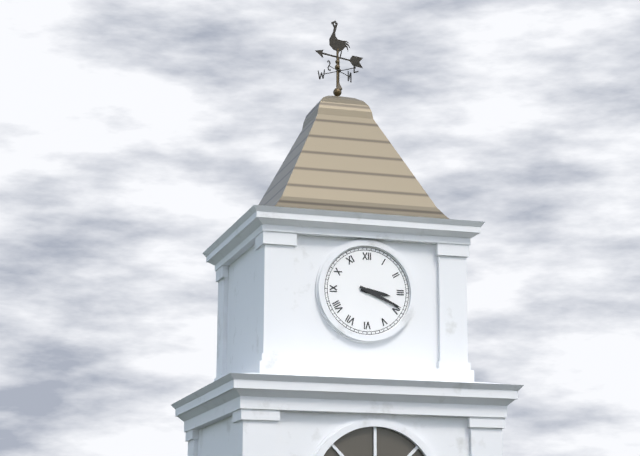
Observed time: **3:19**
